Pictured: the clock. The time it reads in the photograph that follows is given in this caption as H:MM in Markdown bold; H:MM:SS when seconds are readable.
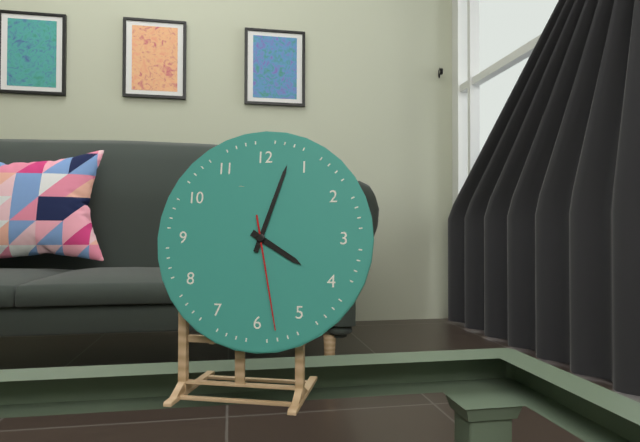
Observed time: **4:03:28**
